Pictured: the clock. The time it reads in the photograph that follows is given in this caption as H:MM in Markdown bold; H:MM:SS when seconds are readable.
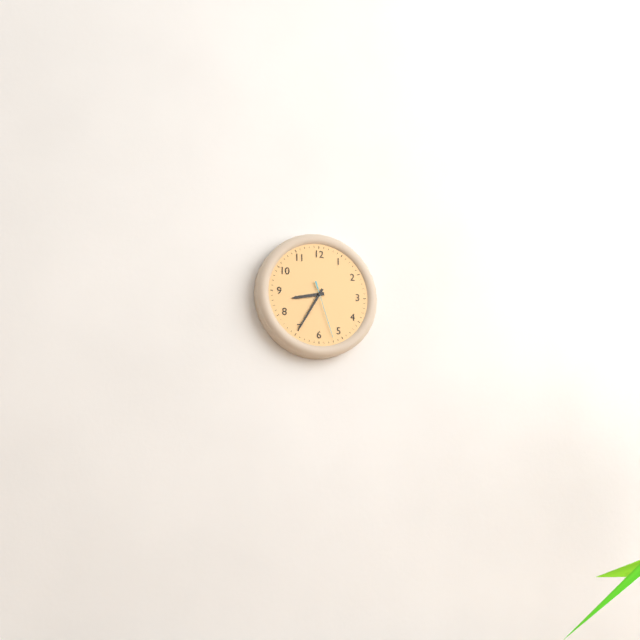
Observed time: **8:35:27**
